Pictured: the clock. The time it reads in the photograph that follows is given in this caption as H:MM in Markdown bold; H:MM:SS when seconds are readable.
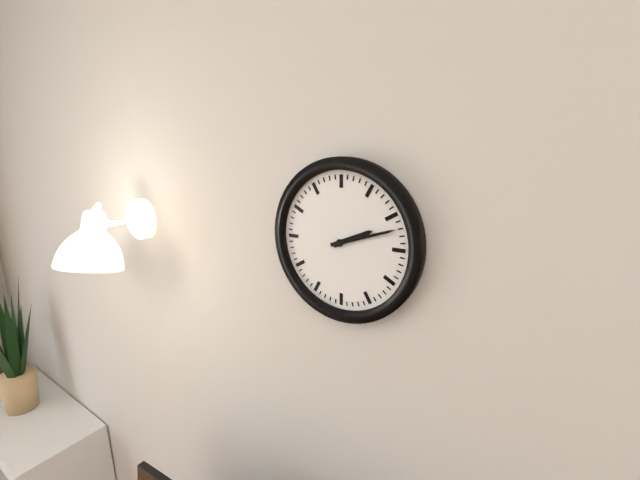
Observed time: **2:12**
